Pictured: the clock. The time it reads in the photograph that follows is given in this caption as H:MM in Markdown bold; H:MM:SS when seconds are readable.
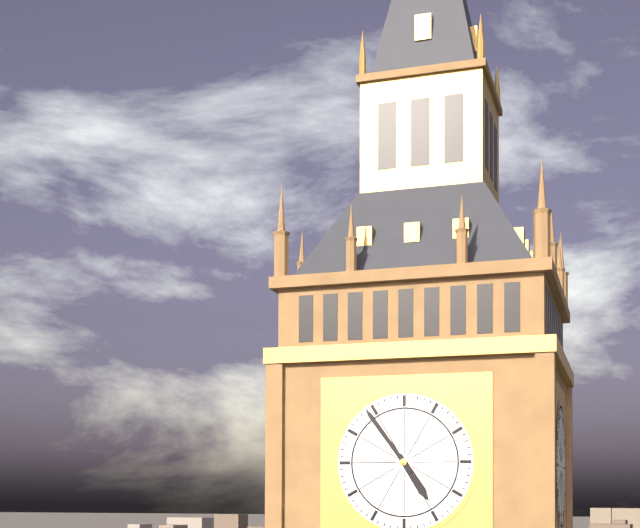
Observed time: **4:54**
